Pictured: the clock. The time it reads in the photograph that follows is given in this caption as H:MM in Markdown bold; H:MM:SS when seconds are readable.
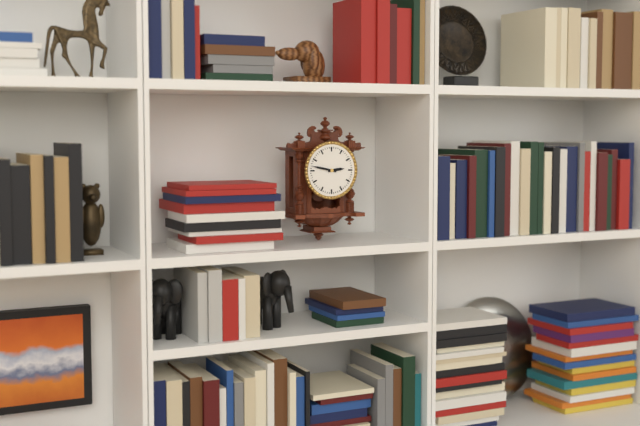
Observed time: **2:47**
